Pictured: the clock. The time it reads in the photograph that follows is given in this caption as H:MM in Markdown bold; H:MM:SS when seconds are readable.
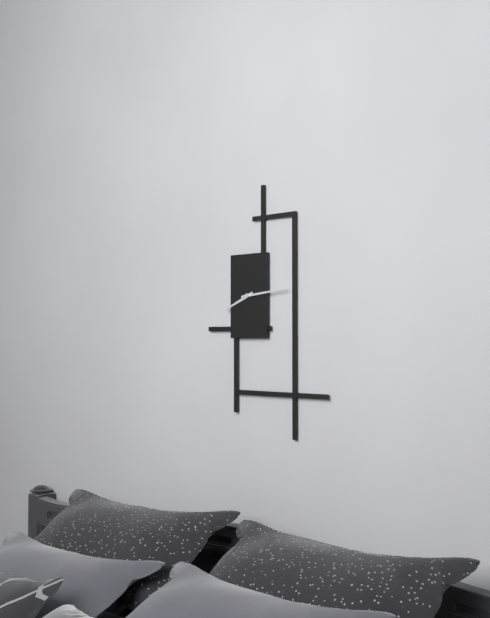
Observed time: **8:14**
